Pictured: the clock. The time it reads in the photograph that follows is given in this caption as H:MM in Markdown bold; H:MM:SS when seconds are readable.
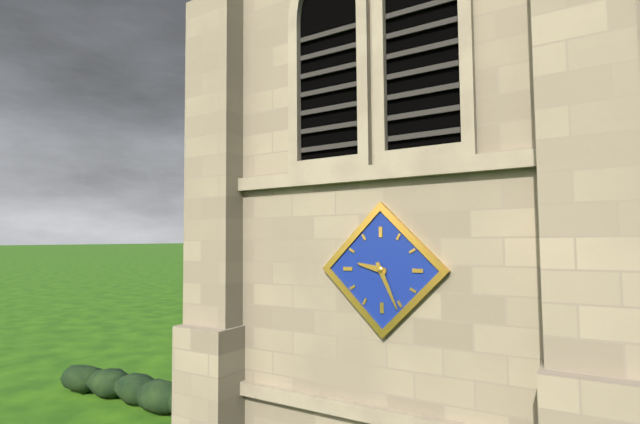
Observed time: **9:26**
